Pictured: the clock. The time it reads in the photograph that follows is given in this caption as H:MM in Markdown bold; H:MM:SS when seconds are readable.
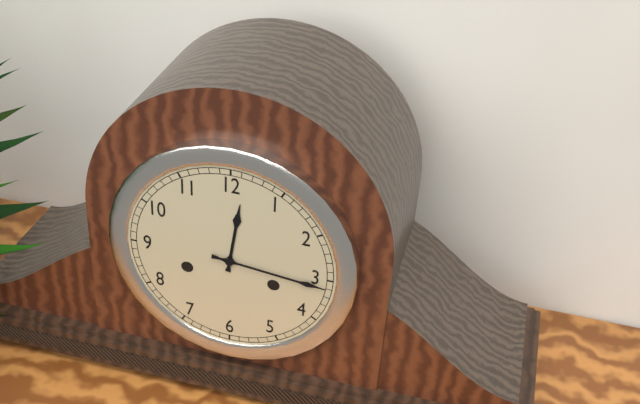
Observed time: **12:16**
